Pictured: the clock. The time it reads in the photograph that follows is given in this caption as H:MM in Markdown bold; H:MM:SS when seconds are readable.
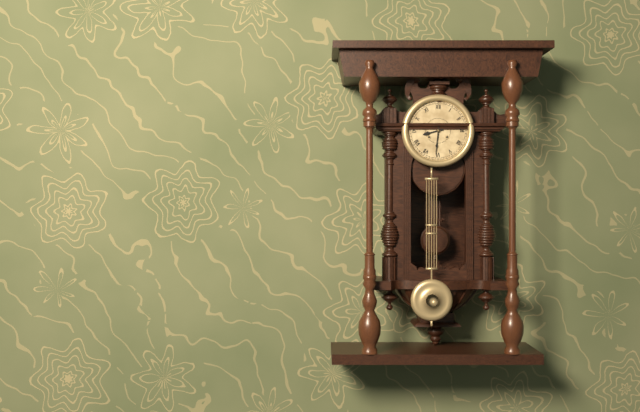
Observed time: **8:31**
